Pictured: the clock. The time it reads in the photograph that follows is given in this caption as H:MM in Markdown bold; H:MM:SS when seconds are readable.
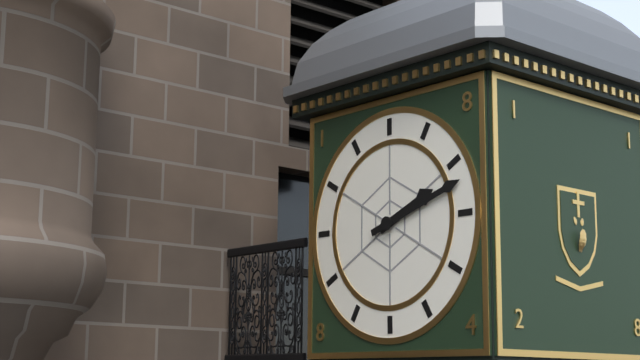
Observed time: **2:12**
